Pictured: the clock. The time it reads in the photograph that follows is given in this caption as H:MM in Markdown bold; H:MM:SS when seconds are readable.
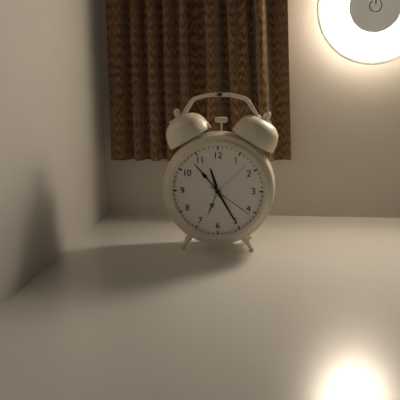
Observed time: **11:25:21**
